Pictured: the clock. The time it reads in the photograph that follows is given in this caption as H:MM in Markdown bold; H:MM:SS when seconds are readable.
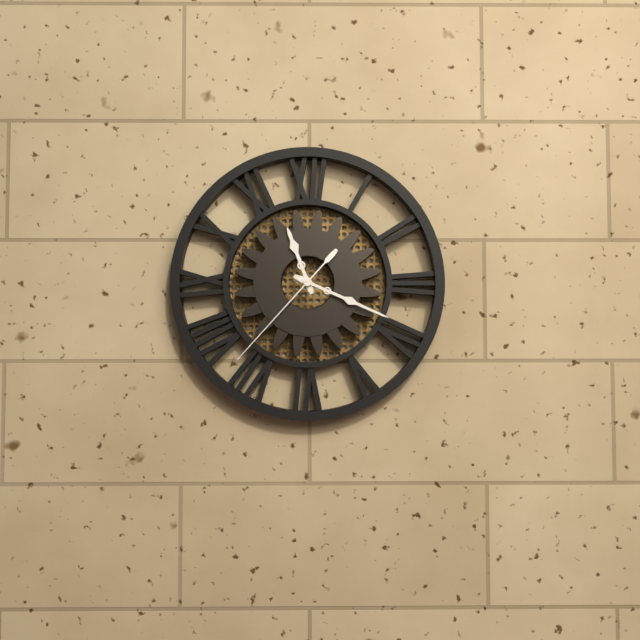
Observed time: **11:19:37**
